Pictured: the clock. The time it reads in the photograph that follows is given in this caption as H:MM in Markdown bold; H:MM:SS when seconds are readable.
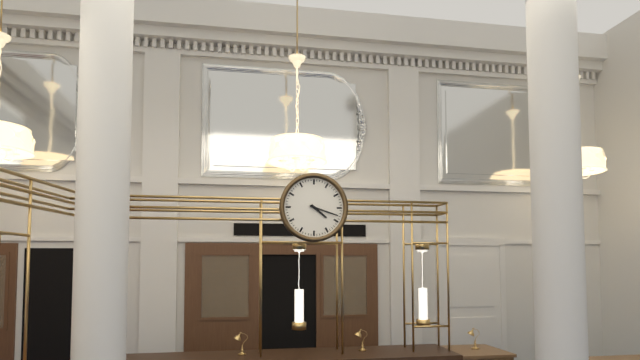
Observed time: **4:18**
